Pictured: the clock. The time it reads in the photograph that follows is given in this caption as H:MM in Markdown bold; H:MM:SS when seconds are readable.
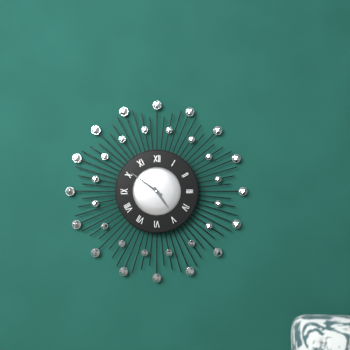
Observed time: **4:51**
